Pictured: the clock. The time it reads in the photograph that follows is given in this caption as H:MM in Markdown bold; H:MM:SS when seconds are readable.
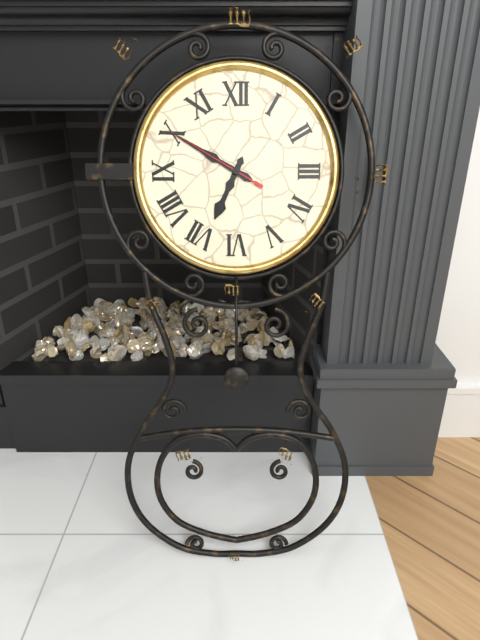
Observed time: **6:50:50**
